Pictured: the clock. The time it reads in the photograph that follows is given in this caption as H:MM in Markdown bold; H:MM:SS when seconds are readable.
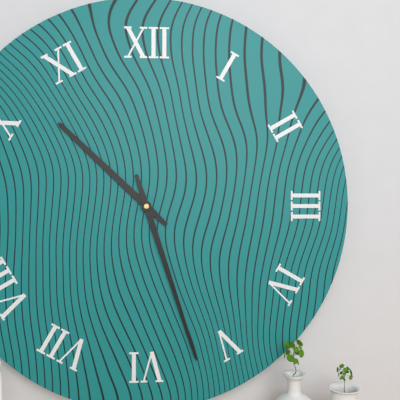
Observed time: **10:27**
